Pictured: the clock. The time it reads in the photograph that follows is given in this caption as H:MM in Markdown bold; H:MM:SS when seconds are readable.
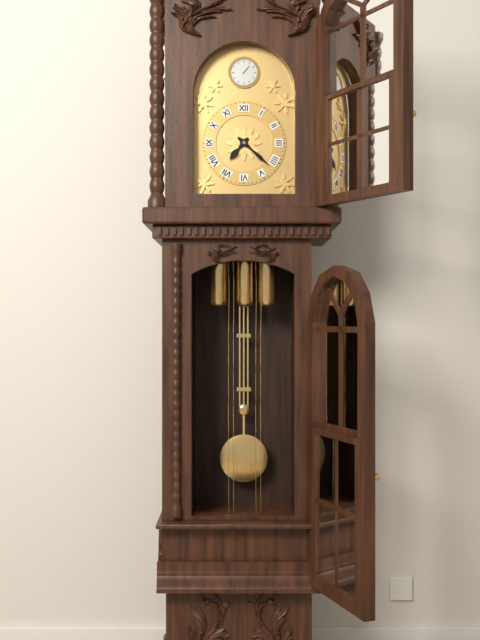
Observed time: **7:22**
